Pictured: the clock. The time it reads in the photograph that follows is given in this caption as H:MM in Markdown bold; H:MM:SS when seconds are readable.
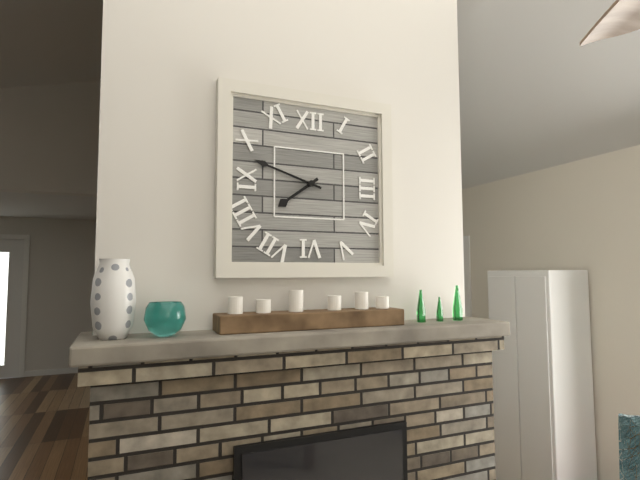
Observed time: **7:48**
